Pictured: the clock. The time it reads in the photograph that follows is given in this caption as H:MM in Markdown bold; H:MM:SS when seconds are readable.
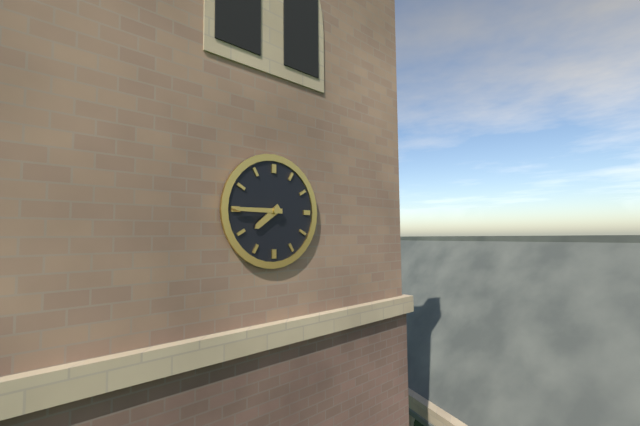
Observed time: **7:45**
